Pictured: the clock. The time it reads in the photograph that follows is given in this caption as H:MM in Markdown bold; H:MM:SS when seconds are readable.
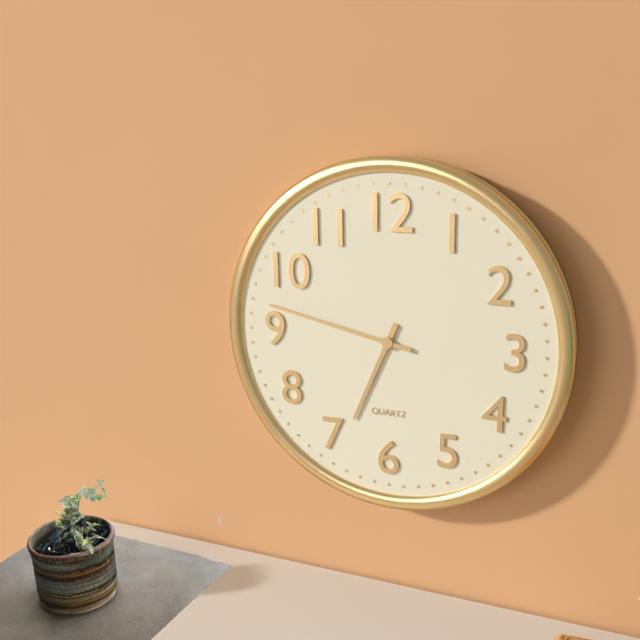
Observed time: **6:47**
